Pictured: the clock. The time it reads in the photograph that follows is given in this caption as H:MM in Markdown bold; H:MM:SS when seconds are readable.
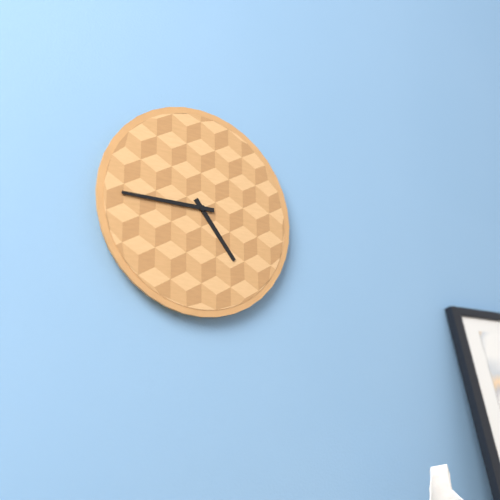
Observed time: **4:45**
